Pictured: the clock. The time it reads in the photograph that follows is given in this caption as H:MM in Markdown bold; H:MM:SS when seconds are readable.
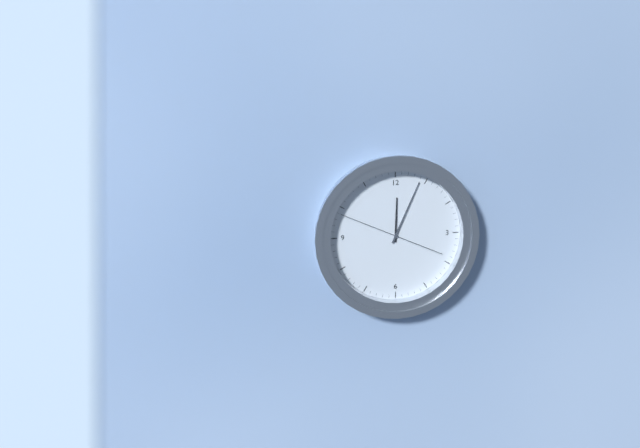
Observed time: **12:04:49**
